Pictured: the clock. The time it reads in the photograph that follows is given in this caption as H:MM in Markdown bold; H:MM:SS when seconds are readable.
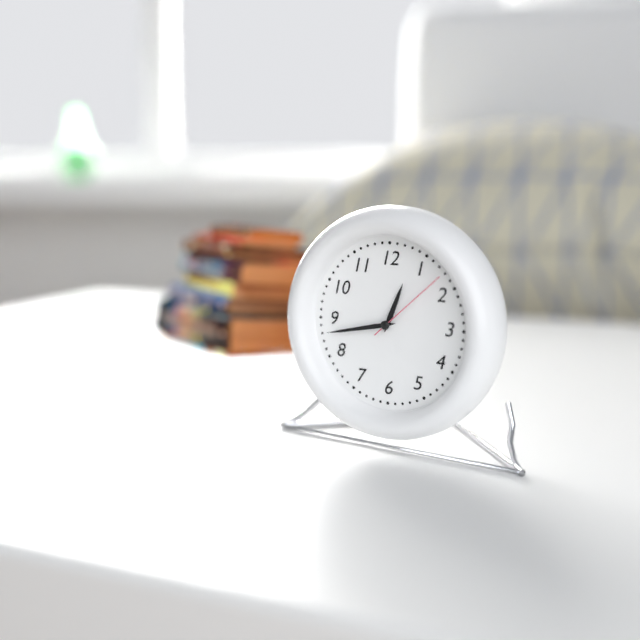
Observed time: **12:43:08**
